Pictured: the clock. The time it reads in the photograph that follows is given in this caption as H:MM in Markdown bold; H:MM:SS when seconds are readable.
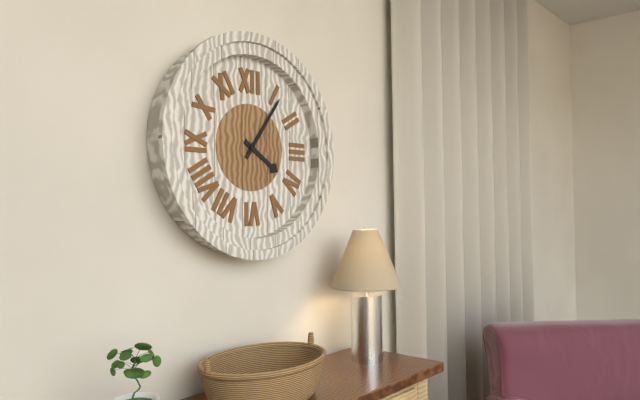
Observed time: **4:06**
